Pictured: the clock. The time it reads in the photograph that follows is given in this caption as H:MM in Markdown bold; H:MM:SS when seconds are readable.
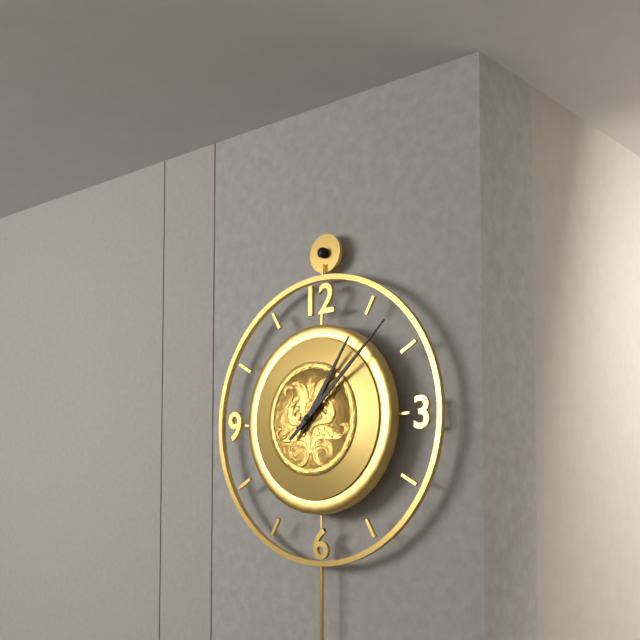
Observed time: **1:08**
